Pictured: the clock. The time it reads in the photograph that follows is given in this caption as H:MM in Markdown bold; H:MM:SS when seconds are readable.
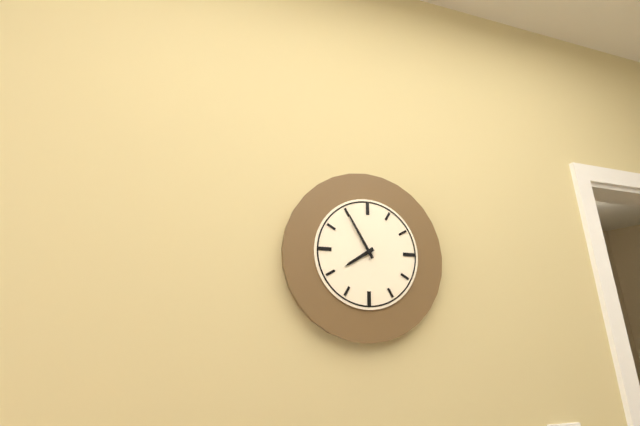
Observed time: **7:55**
